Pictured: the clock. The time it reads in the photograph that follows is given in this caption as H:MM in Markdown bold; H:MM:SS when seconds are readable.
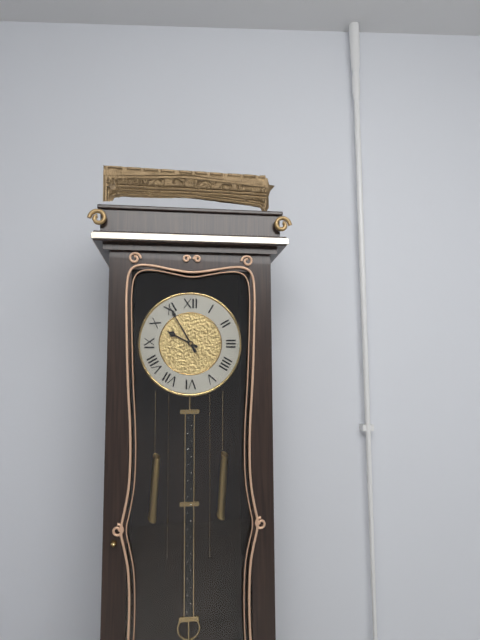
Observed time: **9:55**
